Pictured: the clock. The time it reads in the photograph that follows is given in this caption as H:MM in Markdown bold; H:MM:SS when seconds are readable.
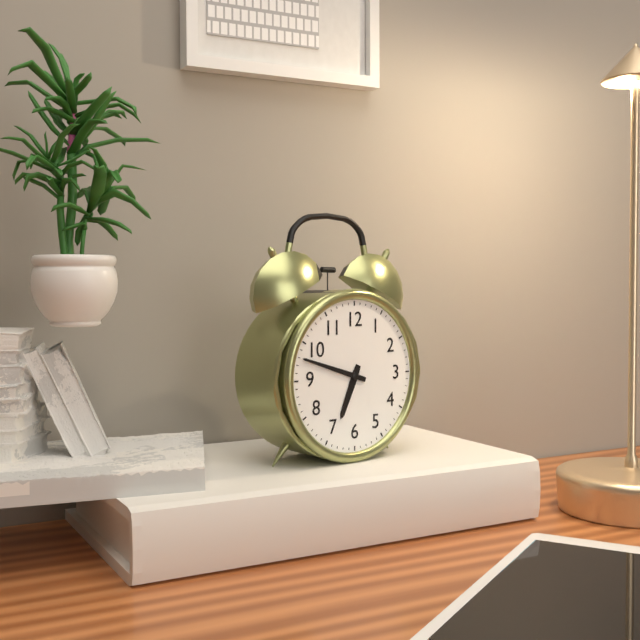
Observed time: **6:48**
